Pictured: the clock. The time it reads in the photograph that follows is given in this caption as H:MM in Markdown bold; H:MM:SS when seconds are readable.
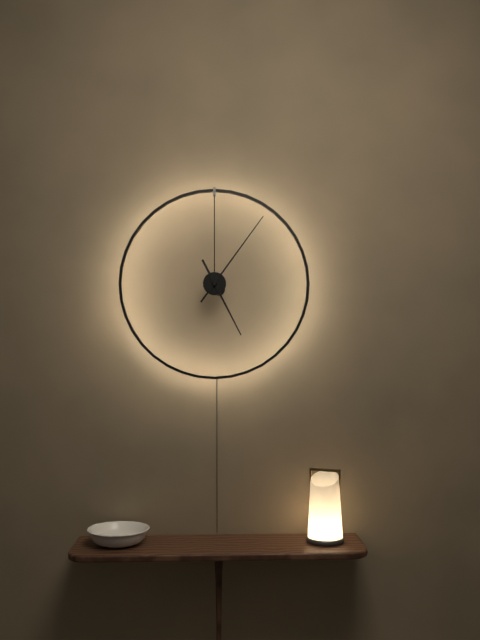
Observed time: **5:06**
